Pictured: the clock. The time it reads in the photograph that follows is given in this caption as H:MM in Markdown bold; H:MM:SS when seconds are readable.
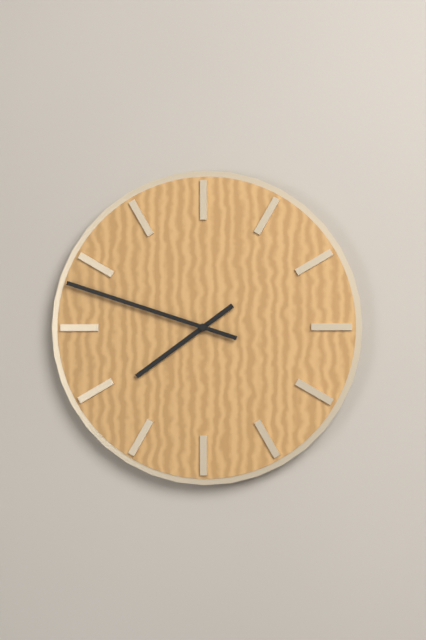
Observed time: **7:48**
